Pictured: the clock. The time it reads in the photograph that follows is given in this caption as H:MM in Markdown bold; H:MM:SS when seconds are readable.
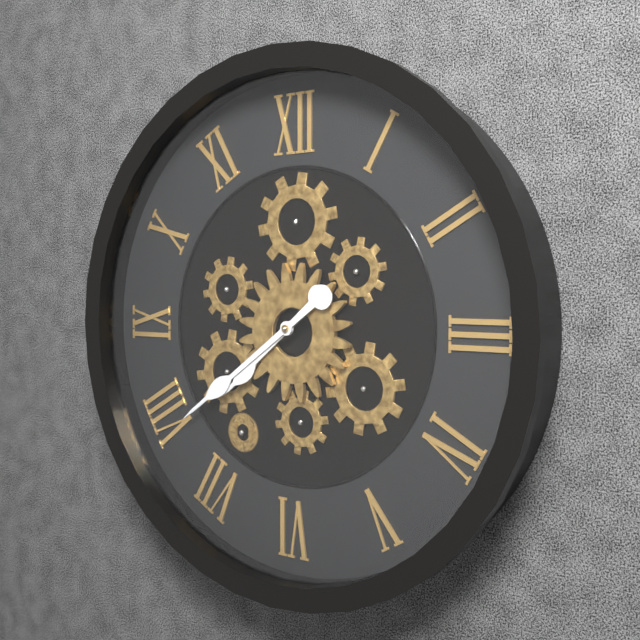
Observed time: **7:39**
